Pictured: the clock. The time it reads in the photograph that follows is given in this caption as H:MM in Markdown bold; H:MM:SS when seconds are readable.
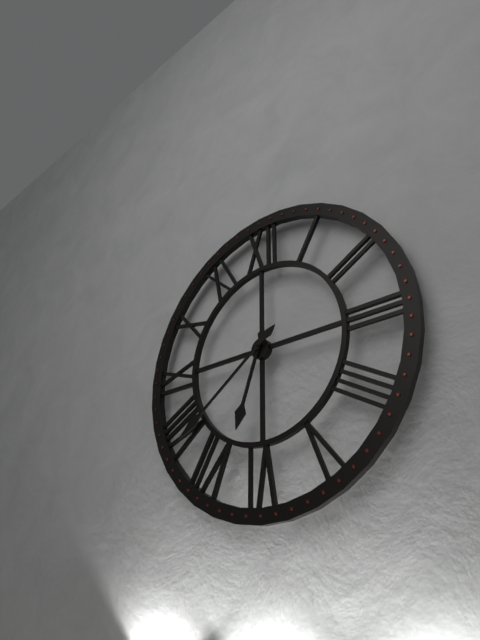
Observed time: **6:39**
